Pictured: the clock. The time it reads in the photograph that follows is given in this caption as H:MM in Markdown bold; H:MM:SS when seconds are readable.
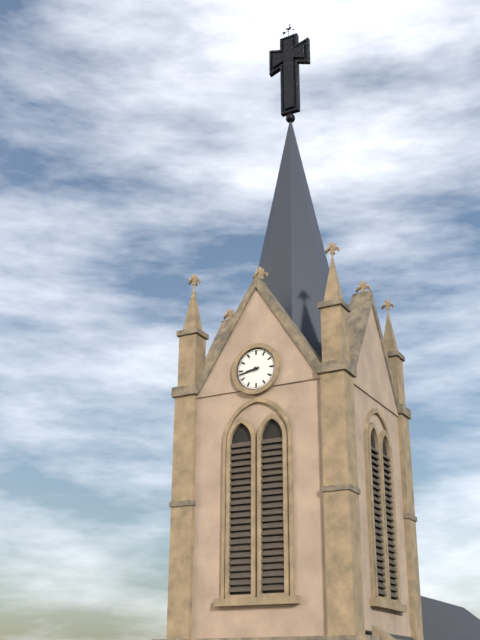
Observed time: **8:43**
